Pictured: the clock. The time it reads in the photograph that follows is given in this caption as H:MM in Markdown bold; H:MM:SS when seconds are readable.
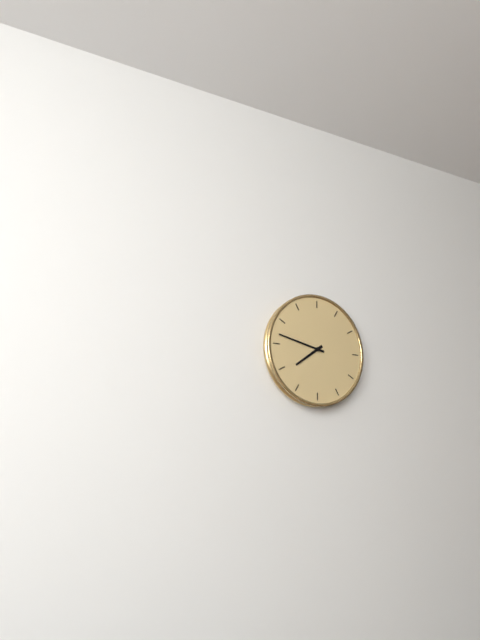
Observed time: **7:47**
